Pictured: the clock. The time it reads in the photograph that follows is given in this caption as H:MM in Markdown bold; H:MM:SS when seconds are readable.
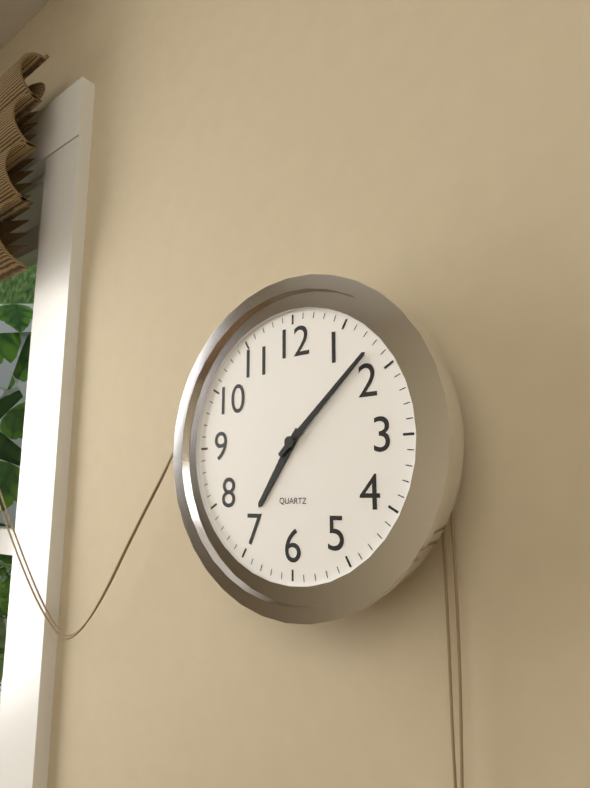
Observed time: **7:08**
